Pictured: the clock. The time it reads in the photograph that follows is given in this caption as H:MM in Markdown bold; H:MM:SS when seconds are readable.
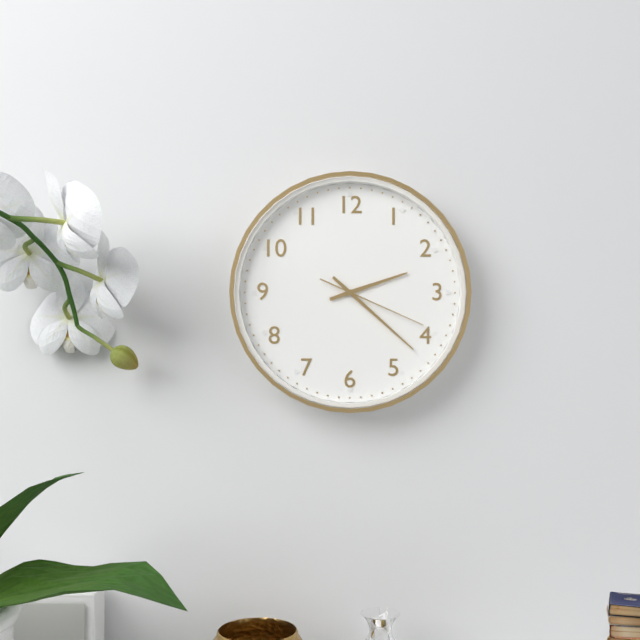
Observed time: **2:22:19**
